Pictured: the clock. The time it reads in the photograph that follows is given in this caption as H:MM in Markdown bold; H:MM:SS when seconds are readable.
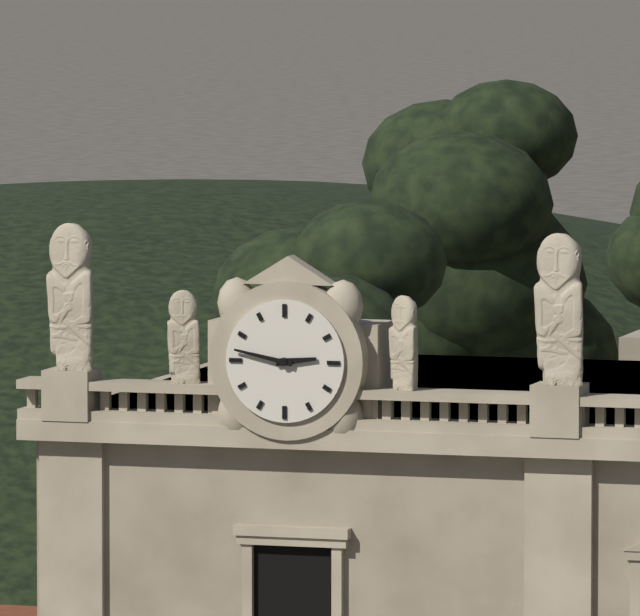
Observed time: **2:47**
